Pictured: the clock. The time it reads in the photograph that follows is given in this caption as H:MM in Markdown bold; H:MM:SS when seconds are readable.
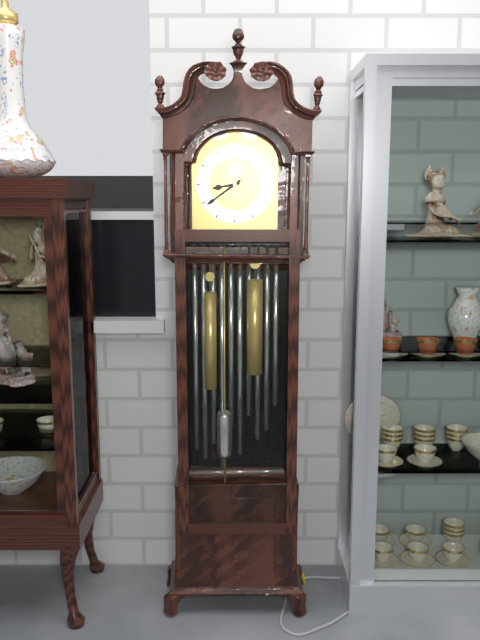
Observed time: **8:39**
